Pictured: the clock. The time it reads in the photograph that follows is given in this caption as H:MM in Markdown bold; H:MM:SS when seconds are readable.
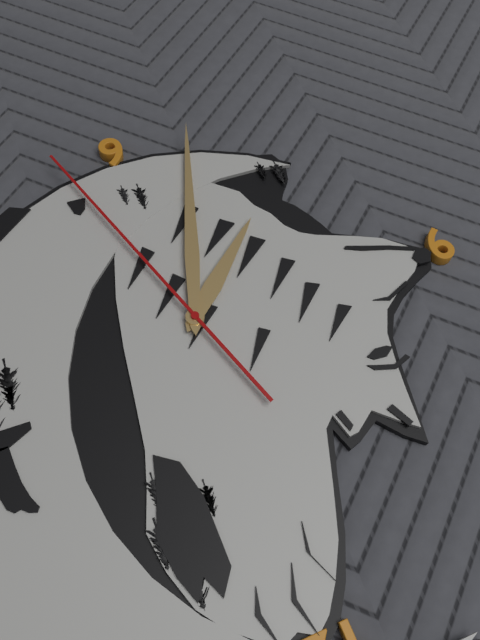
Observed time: **7:33:27**
